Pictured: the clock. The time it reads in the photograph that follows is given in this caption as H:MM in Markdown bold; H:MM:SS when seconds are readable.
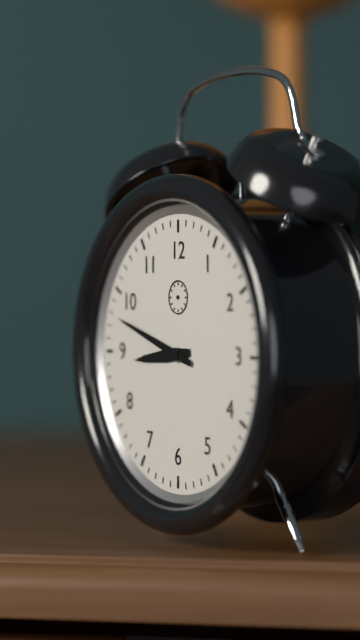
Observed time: **8:48**
